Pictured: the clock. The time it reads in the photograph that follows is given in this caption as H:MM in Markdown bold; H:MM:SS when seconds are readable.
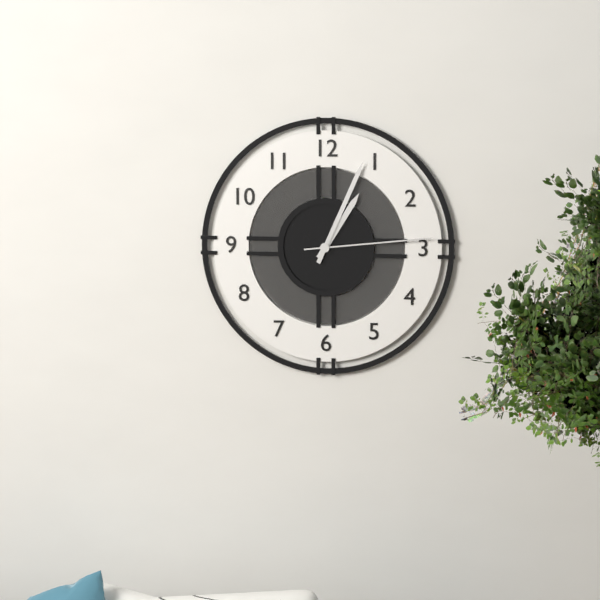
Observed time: **1:04:14**
